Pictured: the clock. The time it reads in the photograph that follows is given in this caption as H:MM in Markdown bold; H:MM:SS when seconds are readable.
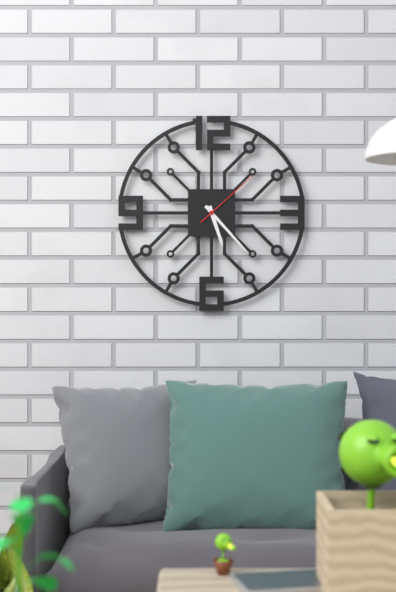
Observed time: **5:23:08**
